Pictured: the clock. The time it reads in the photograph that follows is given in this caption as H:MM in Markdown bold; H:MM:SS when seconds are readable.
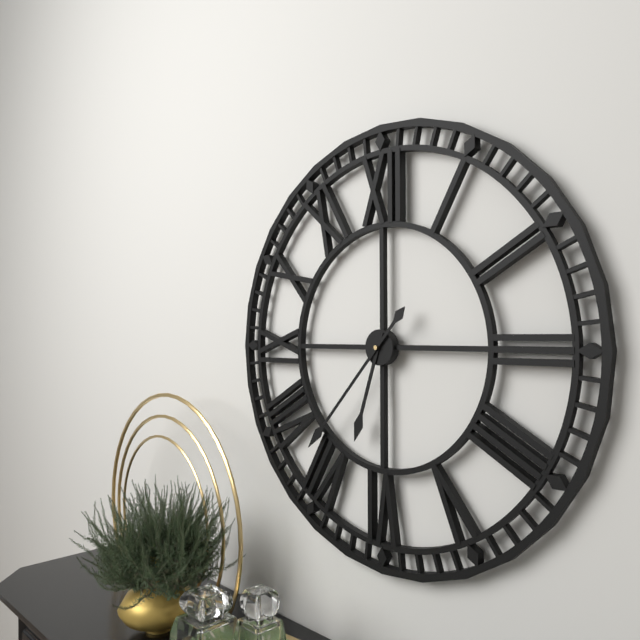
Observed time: **6:37**
